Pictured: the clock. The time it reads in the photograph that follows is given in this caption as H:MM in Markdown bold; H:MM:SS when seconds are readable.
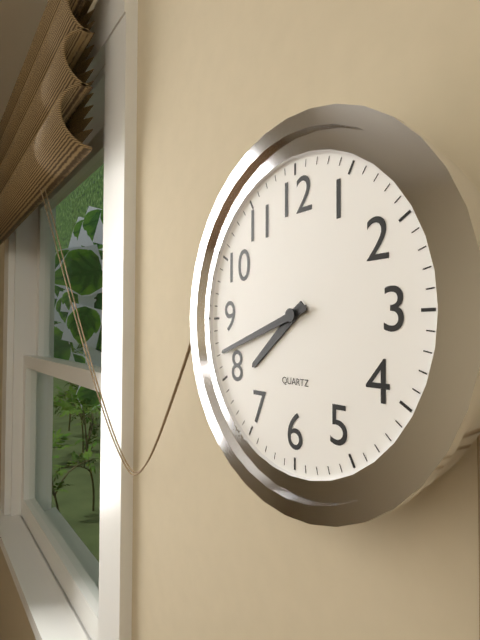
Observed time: **7:42**
